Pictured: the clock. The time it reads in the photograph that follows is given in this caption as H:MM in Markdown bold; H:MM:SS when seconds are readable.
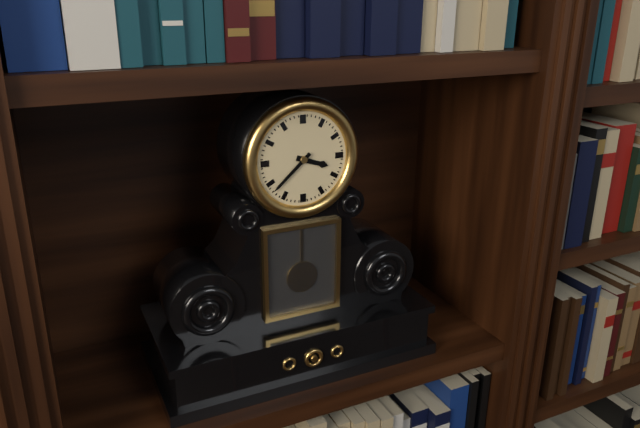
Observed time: **3:38**
